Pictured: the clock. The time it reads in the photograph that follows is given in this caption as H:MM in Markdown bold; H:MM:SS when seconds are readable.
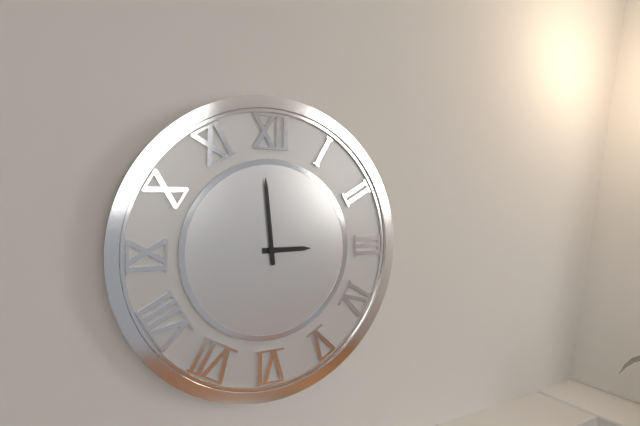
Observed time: **2:59**
